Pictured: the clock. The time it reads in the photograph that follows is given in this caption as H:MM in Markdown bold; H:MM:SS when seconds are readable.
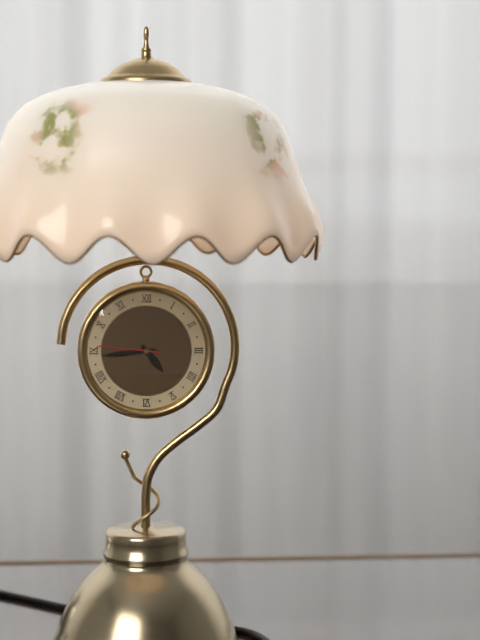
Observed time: **4:44:46**
